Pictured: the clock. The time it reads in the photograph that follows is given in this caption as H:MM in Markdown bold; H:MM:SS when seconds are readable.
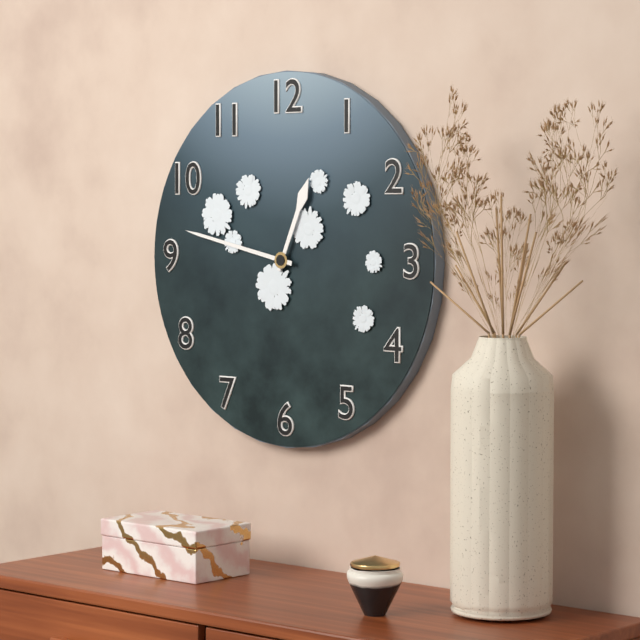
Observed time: **12:47**
